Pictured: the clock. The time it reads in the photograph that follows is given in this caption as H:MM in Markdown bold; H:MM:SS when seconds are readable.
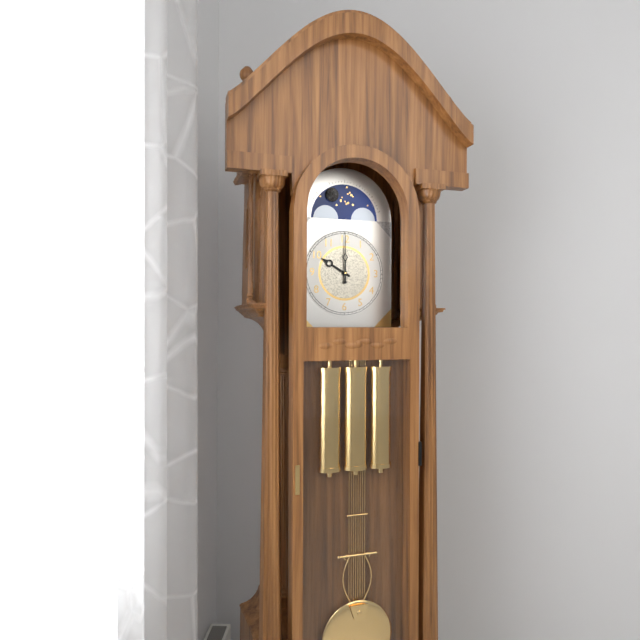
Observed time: **10:00**
